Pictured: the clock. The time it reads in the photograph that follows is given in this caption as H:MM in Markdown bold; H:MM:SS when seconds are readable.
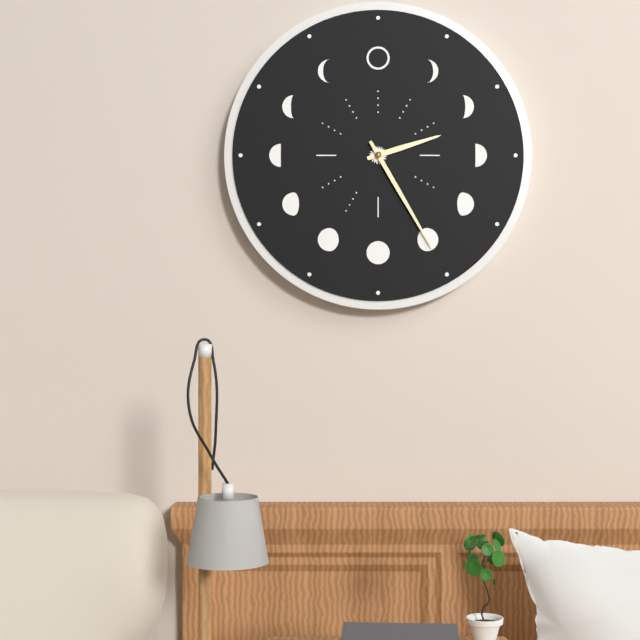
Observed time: **2:25**
